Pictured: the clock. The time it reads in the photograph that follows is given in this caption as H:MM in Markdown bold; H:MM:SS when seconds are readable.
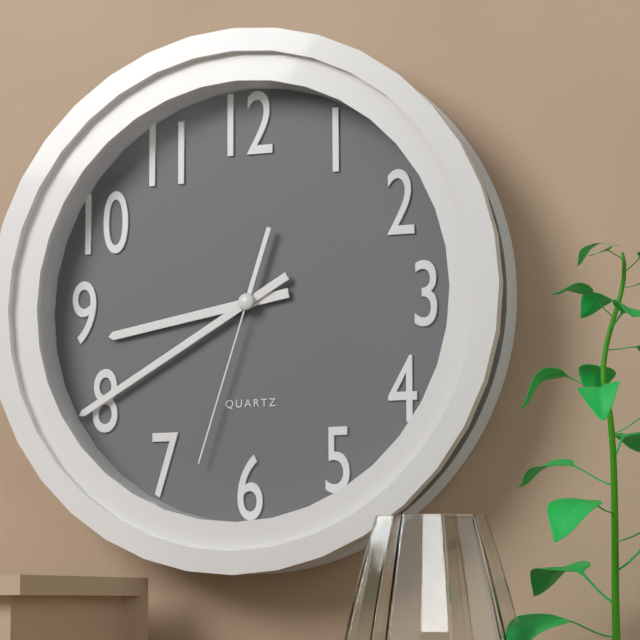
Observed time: **8:40:33**
